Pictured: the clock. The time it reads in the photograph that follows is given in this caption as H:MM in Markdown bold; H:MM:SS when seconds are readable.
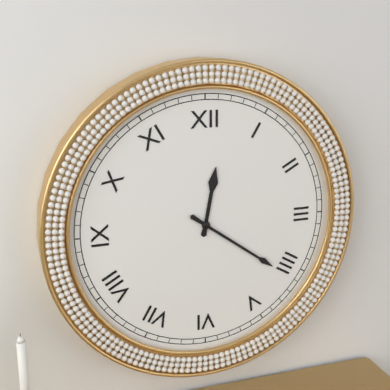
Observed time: **12:21**
